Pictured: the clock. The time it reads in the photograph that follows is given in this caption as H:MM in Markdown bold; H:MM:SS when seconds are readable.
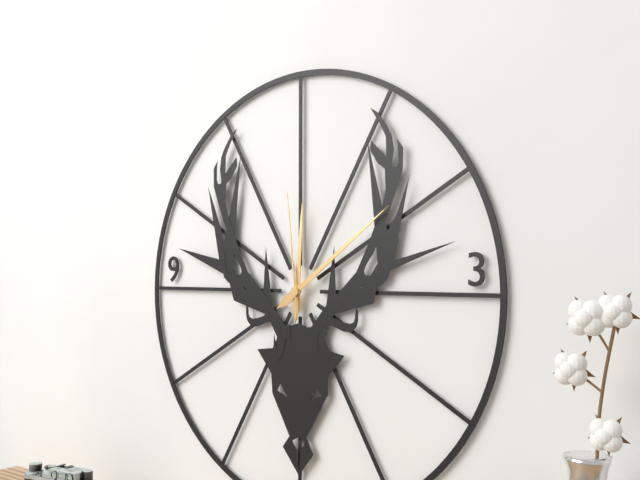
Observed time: **12:09:59**
